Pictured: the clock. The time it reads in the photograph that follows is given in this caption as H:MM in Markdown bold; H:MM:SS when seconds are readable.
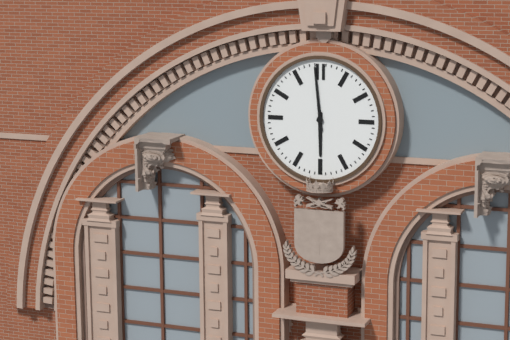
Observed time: **5:59**
